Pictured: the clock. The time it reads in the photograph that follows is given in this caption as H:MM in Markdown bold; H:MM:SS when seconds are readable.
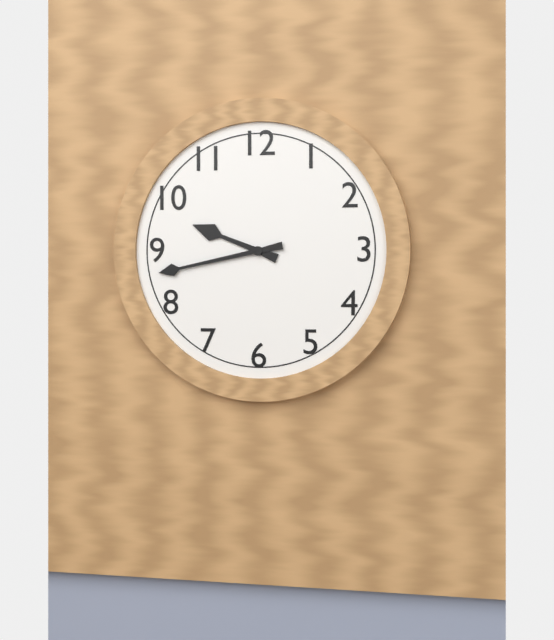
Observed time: **9:43**
